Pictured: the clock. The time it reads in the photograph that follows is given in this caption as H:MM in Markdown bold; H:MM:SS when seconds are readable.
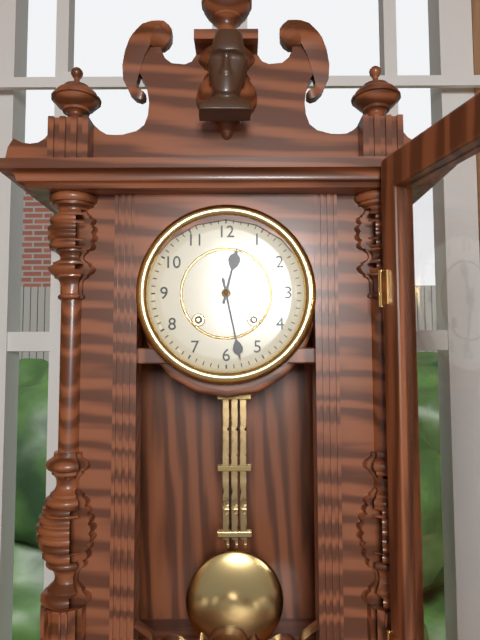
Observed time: **12:28**
